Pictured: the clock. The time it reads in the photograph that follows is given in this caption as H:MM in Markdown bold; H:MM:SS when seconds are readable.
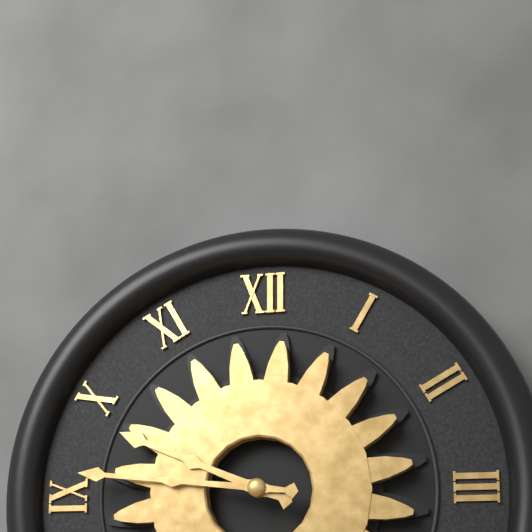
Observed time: **9:46**
